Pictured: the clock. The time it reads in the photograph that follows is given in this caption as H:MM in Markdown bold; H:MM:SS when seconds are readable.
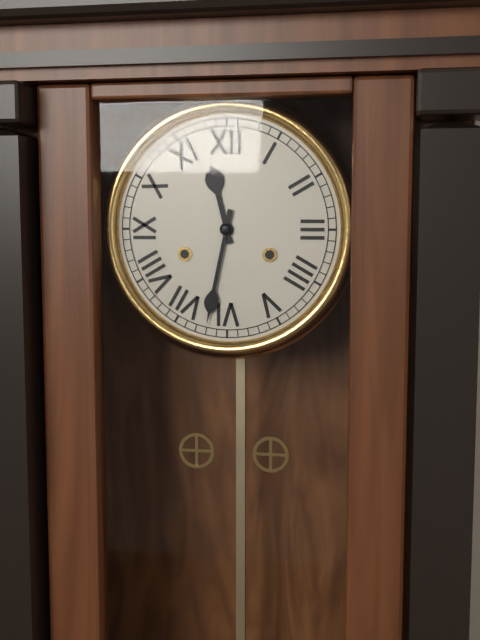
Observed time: **11:32**
